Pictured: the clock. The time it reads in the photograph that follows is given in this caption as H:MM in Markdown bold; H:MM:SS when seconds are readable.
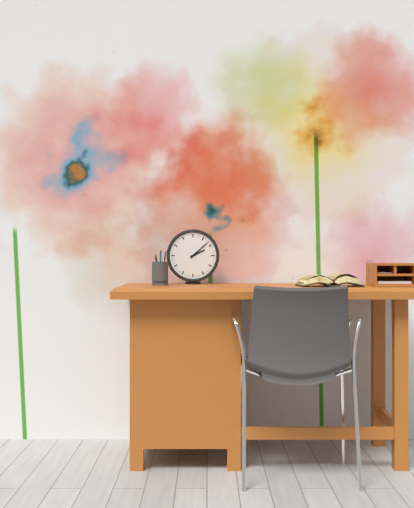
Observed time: **2:08**
